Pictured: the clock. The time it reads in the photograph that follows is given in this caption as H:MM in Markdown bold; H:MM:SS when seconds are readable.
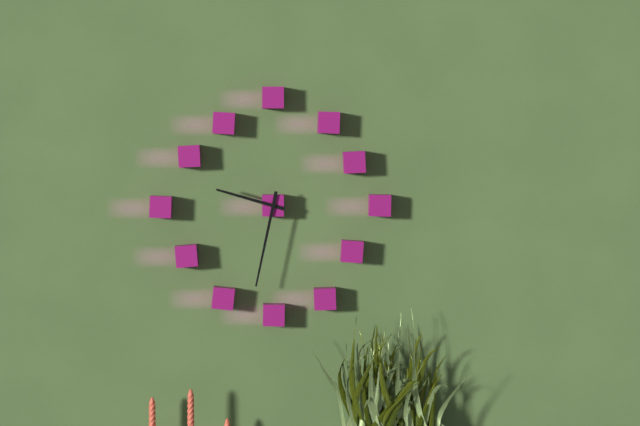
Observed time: **9:32**
